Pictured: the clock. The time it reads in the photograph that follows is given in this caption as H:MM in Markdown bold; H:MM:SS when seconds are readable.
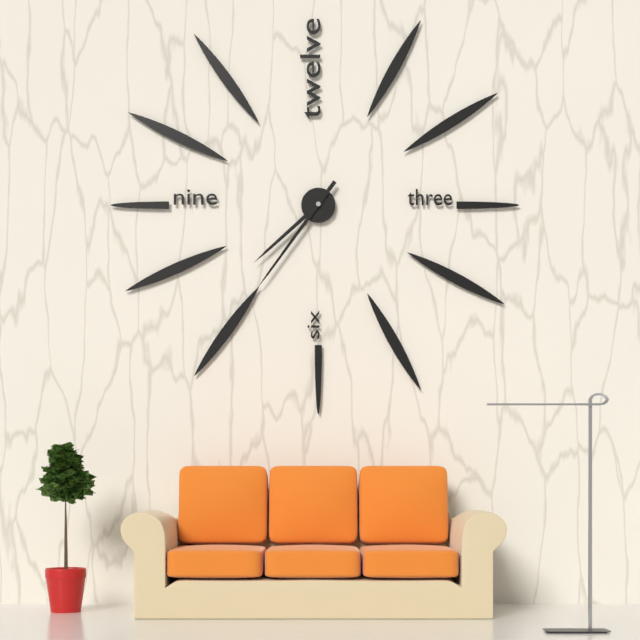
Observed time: **7:36**
